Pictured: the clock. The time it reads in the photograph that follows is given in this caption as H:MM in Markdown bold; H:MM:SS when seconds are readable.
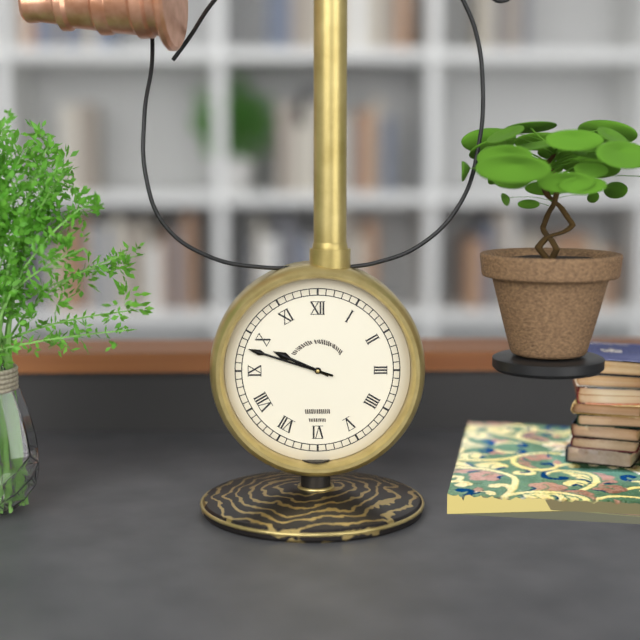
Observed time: **9:48**
